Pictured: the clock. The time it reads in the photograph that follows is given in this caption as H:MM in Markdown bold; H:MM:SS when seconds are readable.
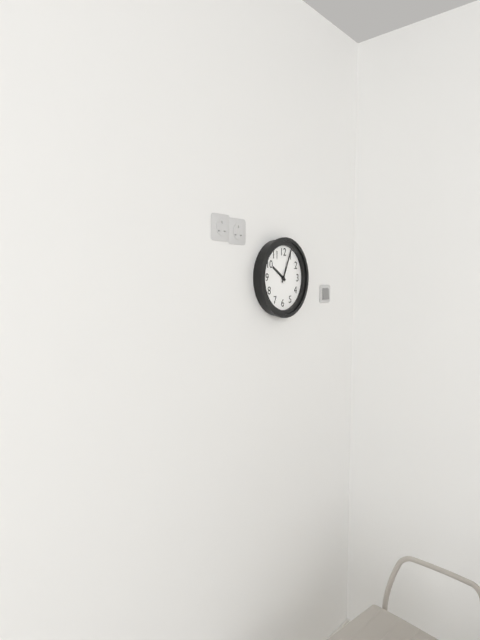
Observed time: **10:04**
